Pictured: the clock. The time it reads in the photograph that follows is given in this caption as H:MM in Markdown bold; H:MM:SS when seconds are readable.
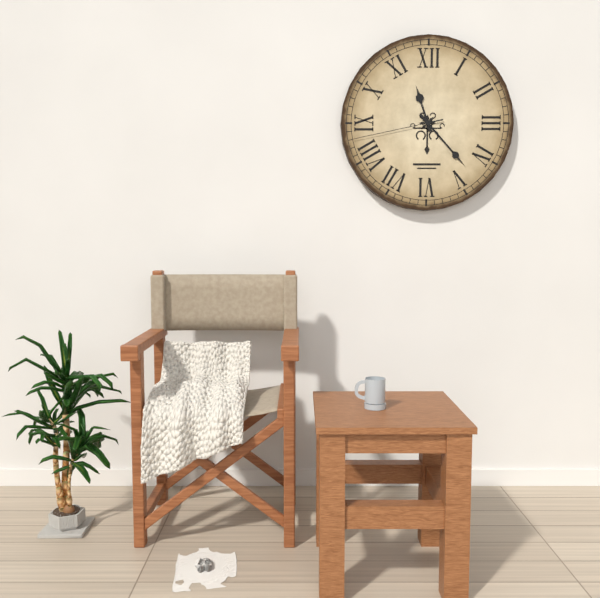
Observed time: **11:23:43**
